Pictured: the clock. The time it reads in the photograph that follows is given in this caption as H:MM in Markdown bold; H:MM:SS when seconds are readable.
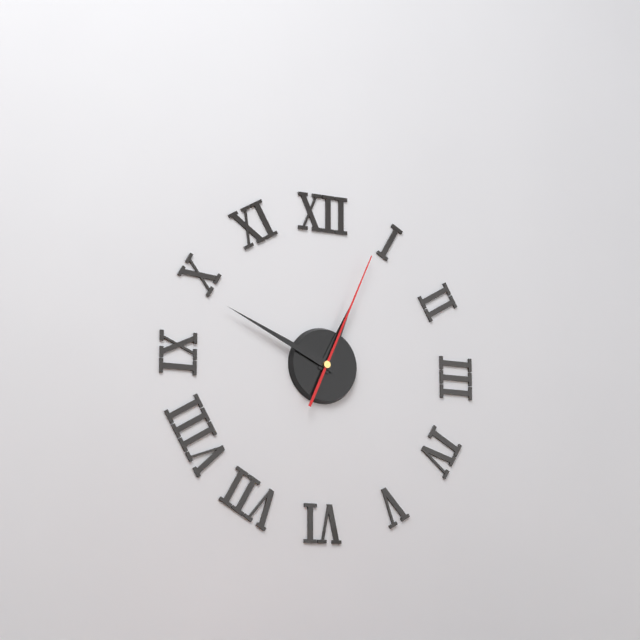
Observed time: **12:49:04**
